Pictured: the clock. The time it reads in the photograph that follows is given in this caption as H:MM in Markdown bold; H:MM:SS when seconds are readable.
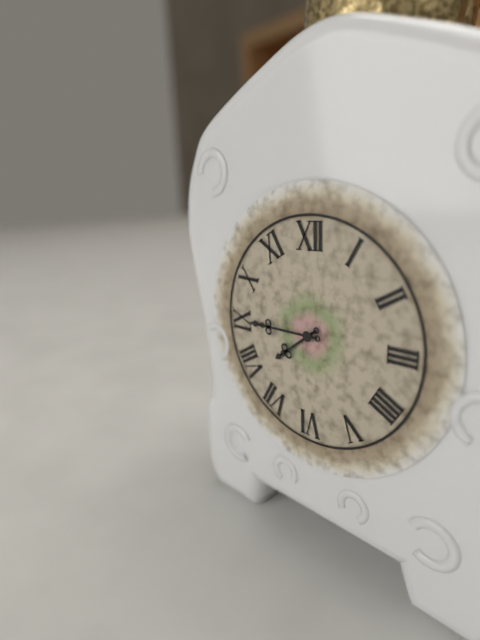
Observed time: **7:45**
